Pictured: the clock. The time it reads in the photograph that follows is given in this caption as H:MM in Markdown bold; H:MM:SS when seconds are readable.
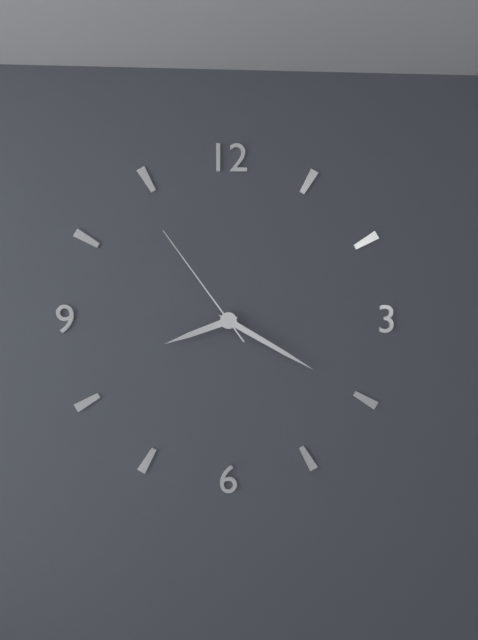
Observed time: **8:20:54**
